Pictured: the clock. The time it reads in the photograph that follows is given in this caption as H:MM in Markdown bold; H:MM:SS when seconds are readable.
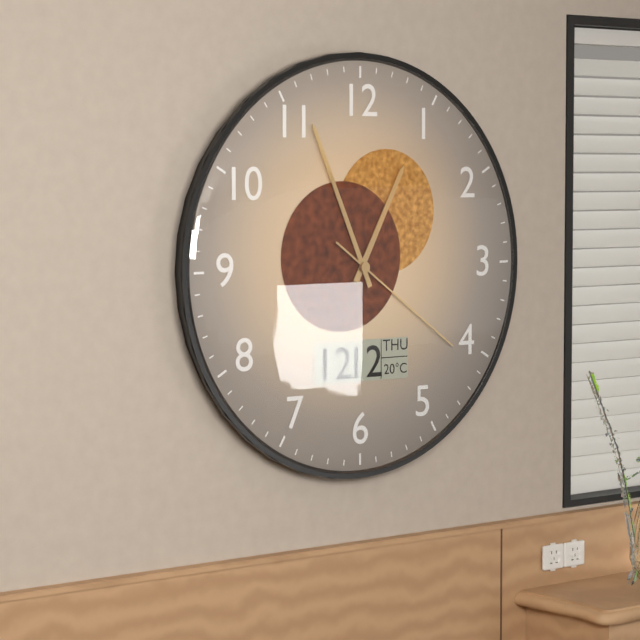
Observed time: **12:56:21**
